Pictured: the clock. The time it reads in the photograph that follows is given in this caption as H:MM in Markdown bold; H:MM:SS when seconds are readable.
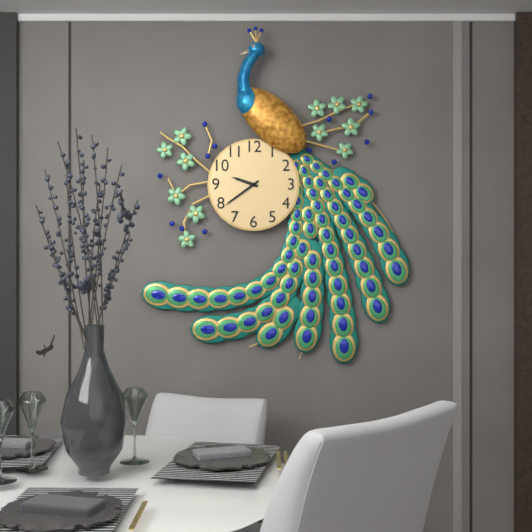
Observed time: **9:39**
